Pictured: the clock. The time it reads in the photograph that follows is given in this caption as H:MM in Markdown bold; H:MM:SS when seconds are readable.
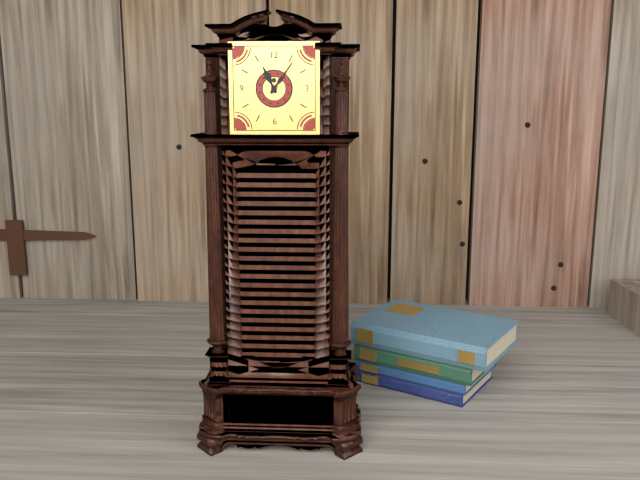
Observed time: **11:06**
